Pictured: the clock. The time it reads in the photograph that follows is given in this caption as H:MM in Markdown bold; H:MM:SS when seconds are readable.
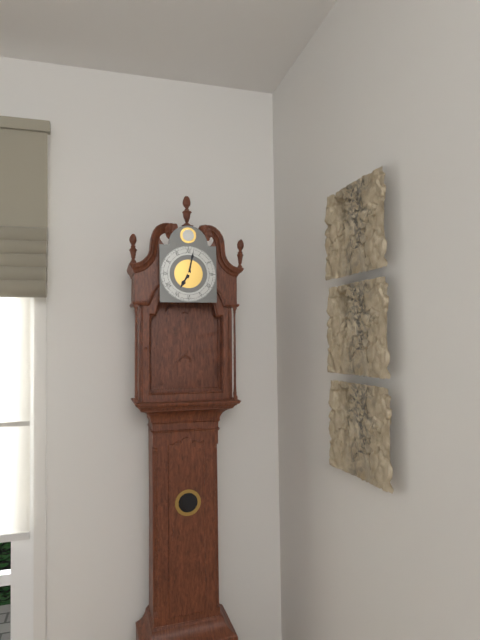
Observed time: **7:02**
